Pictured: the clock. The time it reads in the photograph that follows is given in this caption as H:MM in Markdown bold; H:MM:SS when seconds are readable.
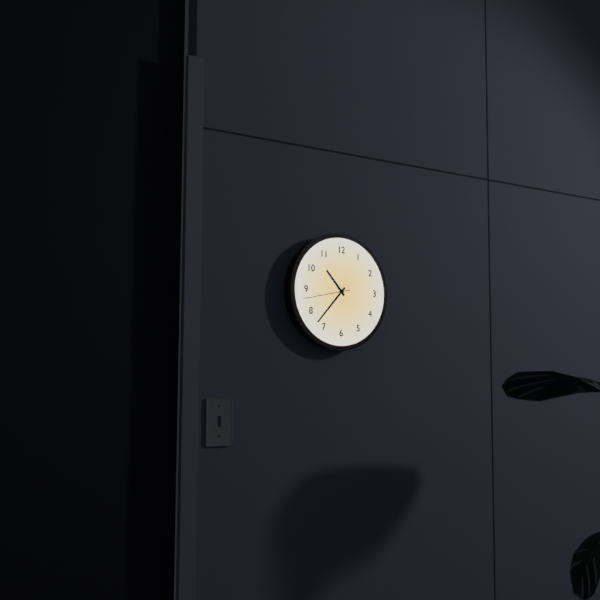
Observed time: **10:37**
